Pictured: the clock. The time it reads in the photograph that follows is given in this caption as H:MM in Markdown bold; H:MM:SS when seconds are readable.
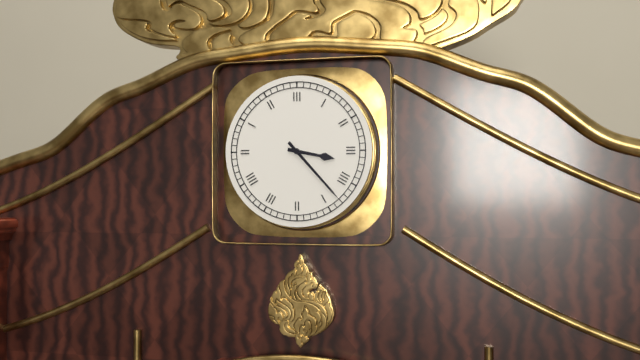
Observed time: **3:23**
